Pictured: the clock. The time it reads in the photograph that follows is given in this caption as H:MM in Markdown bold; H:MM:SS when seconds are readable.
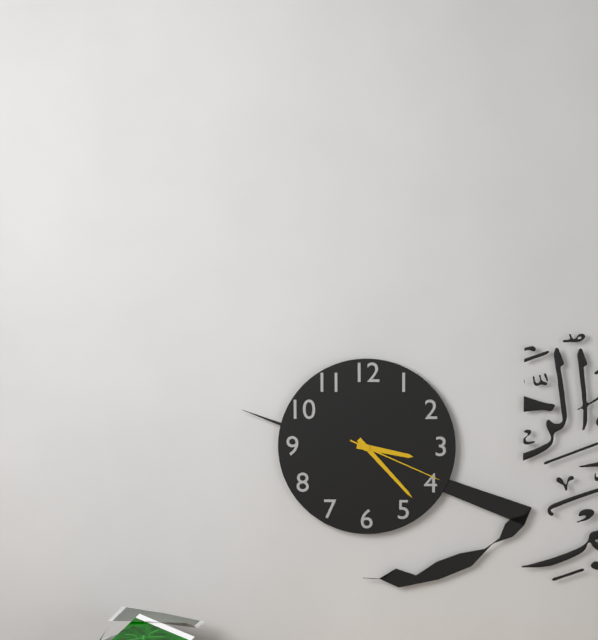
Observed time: **3:23:19**
